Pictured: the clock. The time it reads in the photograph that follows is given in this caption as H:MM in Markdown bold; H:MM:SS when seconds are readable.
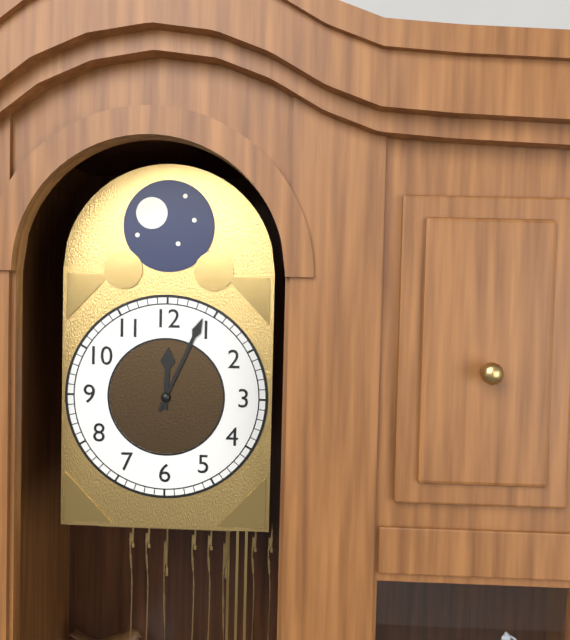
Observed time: **12:04**
